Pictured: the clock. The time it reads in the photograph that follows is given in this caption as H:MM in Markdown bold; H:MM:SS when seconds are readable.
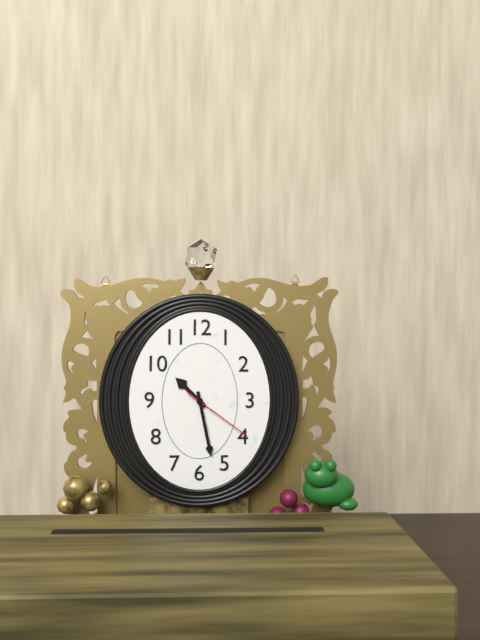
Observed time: **10:28:21**
